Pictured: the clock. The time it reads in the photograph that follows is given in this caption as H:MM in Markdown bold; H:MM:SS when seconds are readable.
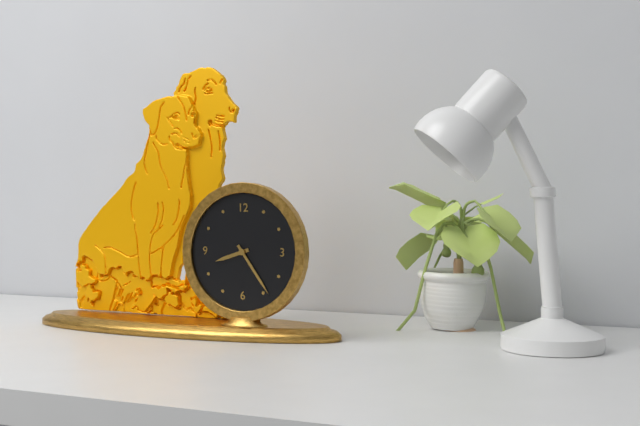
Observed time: **8:24**
